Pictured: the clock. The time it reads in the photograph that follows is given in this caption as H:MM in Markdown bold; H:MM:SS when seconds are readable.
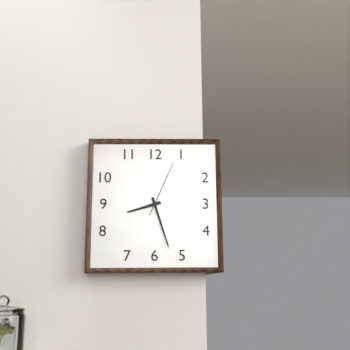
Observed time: **8:27:04**
